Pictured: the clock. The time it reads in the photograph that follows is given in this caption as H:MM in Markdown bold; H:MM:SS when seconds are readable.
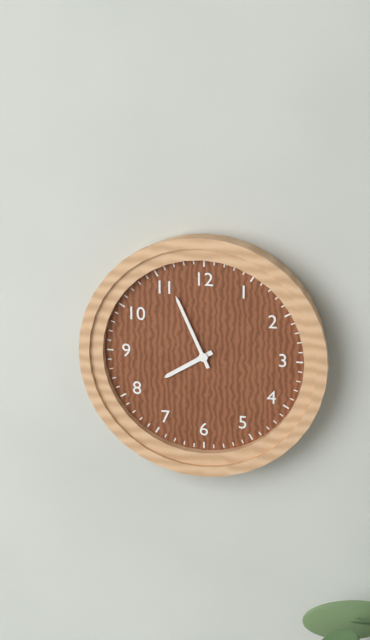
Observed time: **7:56**
